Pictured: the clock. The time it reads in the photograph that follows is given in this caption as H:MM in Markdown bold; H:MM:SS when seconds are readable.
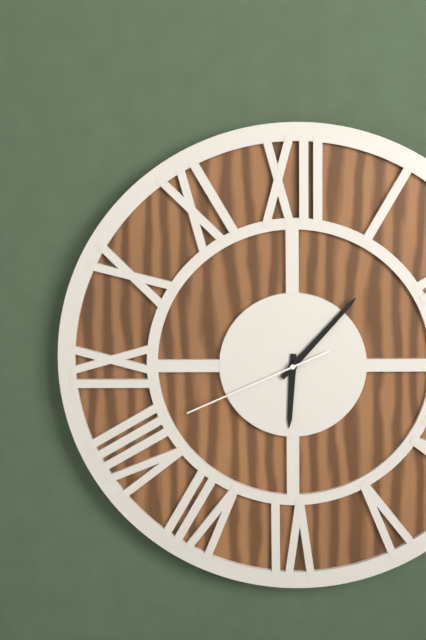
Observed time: **6:07:41**
